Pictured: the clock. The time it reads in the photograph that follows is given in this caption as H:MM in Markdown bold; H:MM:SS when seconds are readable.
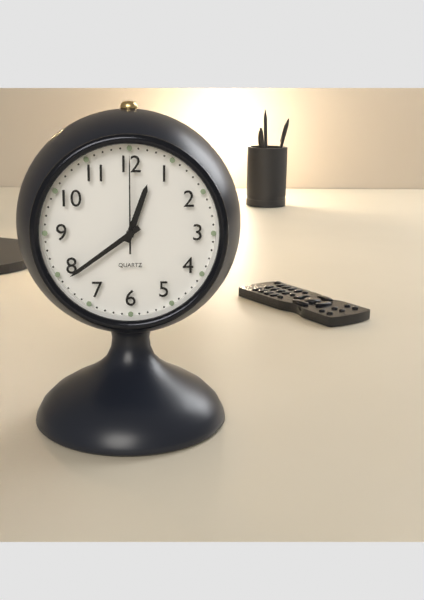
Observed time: **12:39:00**
